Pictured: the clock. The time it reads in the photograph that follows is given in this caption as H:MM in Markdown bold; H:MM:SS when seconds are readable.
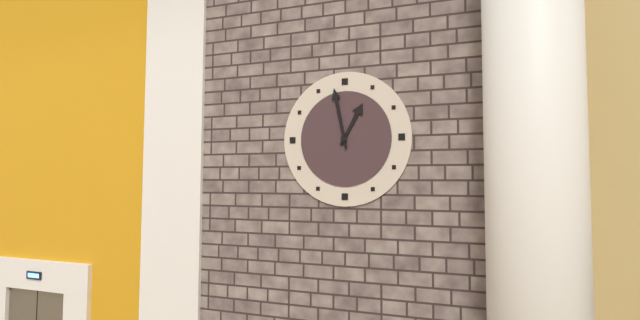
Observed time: **12:58**
